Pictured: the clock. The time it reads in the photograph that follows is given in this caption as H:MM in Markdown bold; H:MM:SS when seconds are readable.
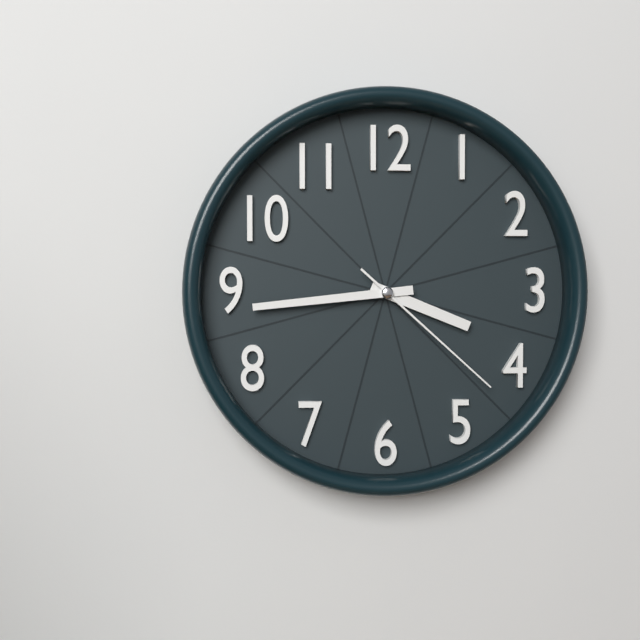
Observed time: **3:44:22**
